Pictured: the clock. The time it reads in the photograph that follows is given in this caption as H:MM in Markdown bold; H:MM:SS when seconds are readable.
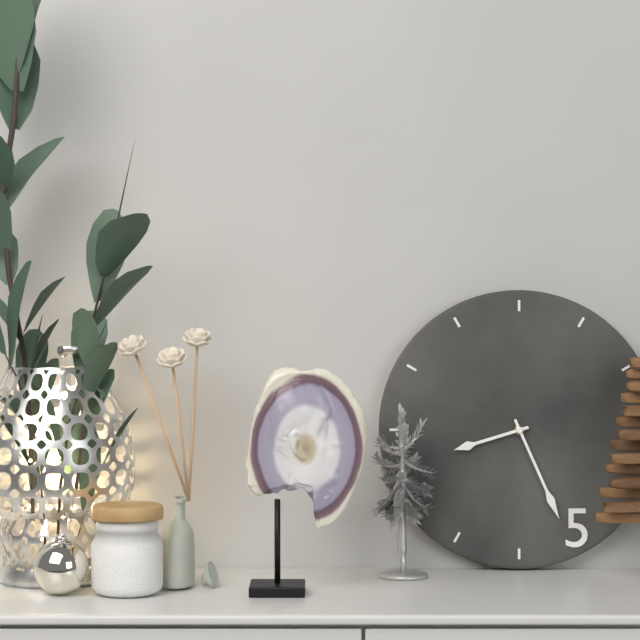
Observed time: **8:26**
